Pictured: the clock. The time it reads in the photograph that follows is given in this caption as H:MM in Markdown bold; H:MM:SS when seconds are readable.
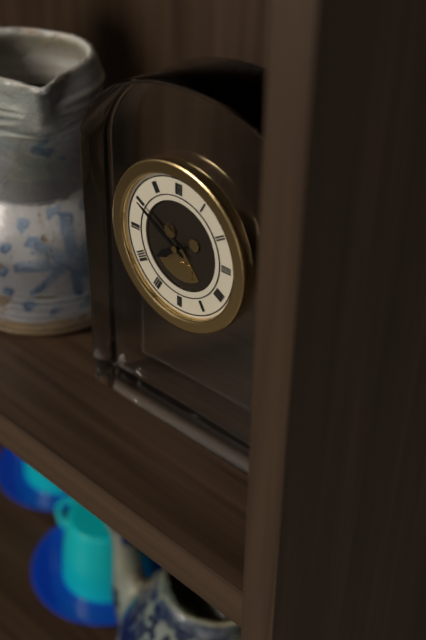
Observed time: **7:50**
